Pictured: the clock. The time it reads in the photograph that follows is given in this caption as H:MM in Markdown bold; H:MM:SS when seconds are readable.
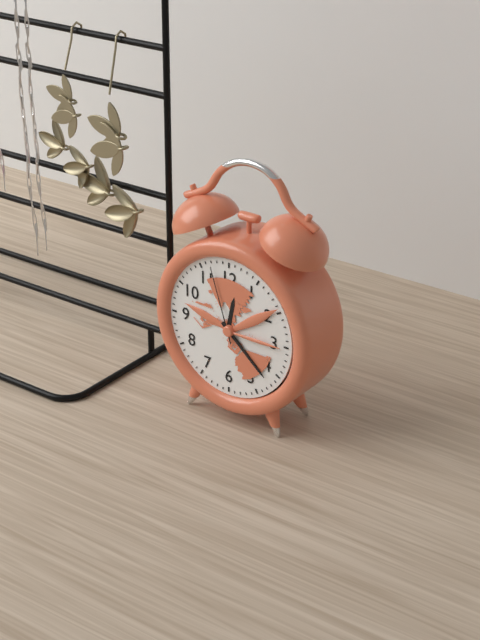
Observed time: **12:22:57**
